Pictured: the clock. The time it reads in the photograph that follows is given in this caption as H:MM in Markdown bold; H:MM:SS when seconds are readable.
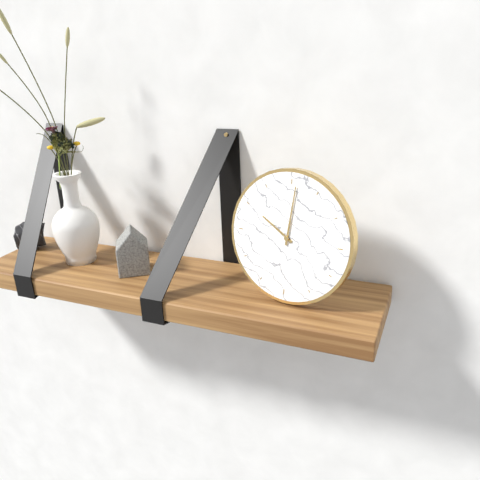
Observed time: **10:01**
